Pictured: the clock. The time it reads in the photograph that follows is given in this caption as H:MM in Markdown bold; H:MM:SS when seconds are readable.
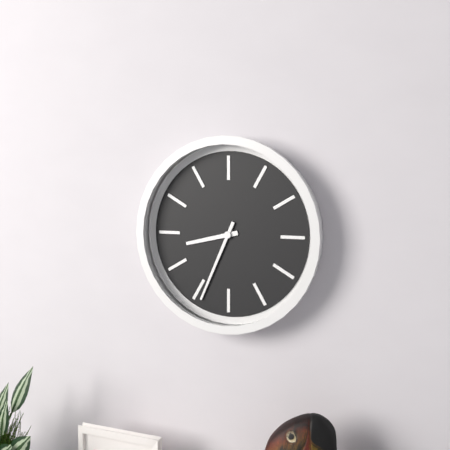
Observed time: **8:34**
